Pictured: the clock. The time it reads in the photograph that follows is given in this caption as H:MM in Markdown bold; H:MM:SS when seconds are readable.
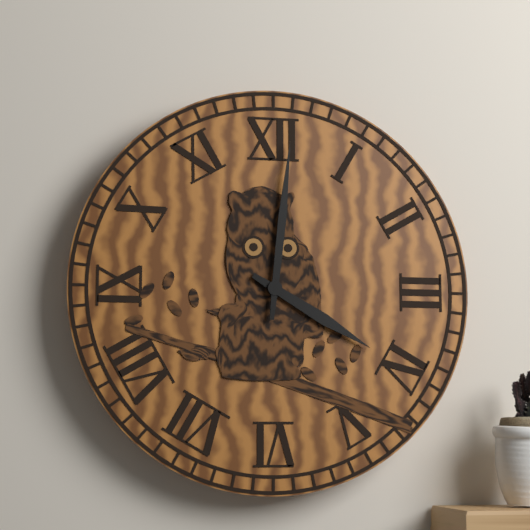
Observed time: **4:01**
